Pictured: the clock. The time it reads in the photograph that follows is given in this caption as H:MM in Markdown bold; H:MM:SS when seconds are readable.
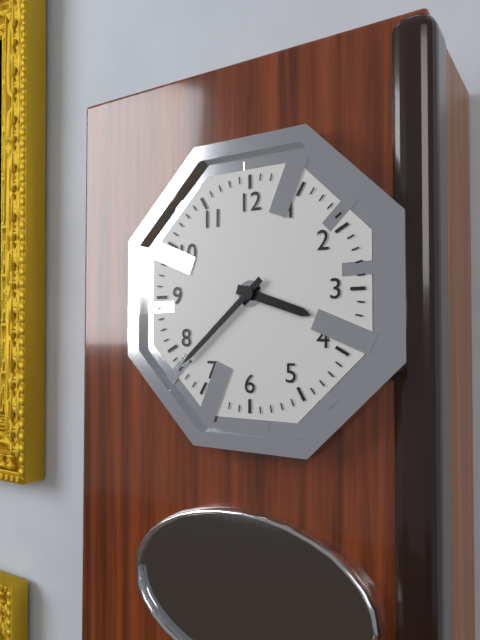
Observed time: **3:38**
